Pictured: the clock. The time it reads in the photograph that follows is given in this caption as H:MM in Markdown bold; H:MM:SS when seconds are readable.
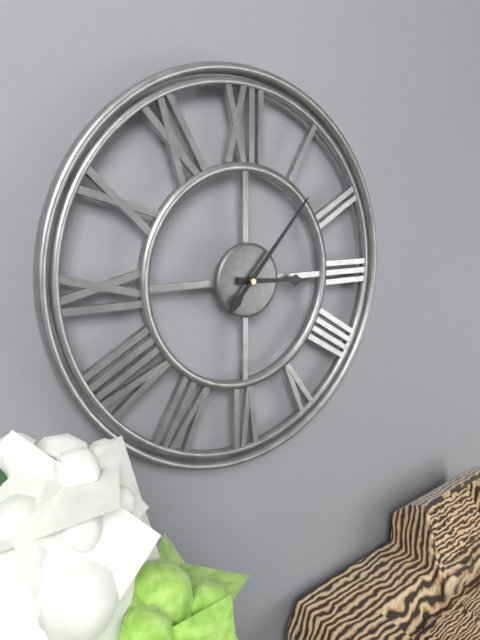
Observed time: **3:07**
